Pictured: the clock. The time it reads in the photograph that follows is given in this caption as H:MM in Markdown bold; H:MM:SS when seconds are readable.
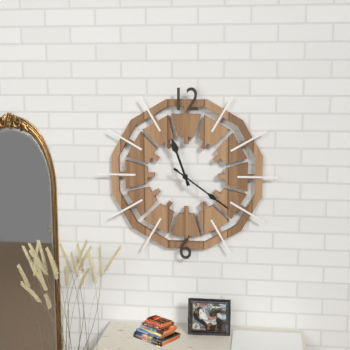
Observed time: **11:21**
